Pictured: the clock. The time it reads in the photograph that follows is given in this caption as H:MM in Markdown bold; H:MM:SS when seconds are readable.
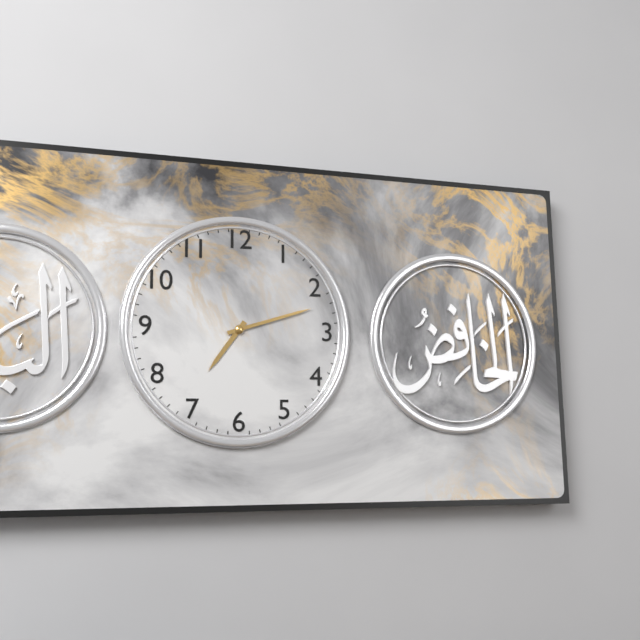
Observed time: **7:12**
